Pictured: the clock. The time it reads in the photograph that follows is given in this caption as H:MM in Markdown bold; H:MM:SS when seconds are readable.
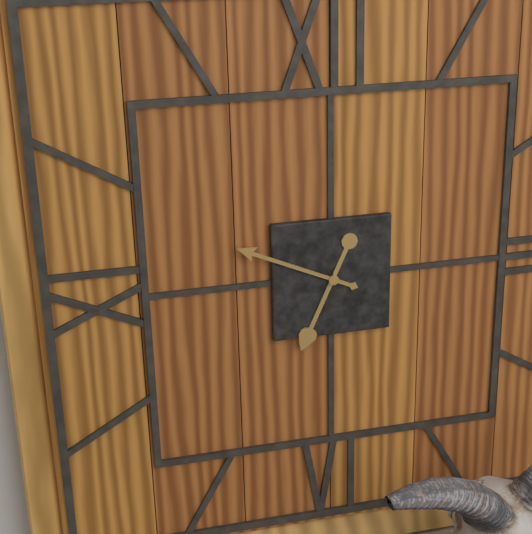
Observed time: **6:49**
